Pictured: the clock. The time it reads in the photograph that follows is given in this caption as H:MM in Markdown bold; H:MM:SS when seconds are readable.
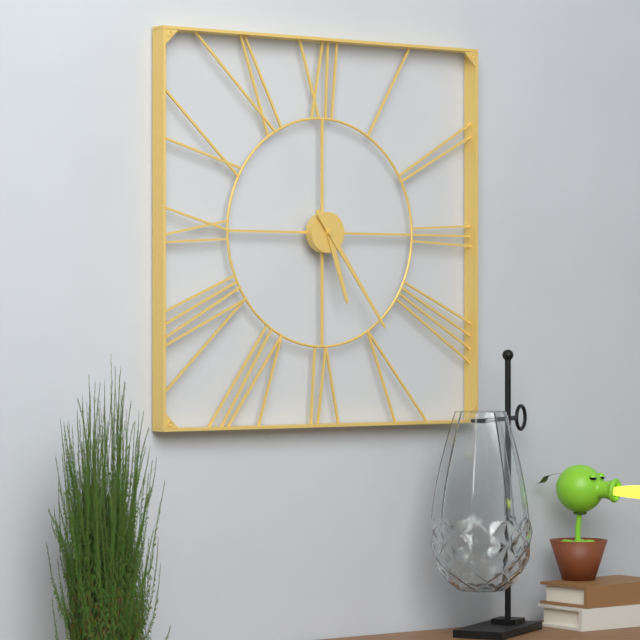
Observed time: **5:24**
